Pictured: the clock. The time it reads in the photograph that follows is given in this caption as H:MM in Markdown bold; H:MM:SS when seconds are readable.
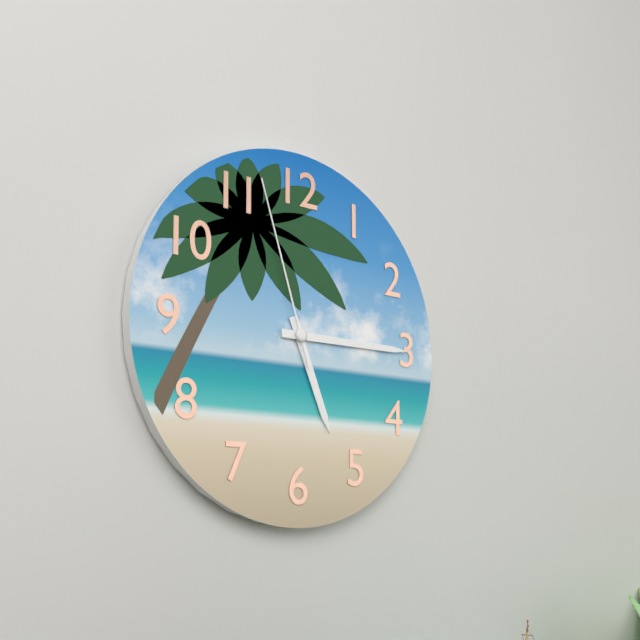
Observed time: **5:15:57**
